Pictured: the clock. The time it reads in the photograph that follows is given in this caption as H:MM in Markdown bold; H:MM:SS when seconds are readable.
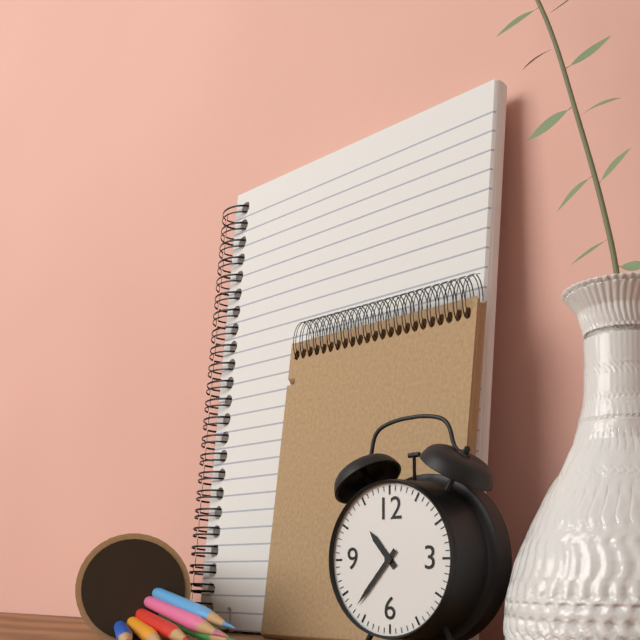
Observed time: **10:37**
